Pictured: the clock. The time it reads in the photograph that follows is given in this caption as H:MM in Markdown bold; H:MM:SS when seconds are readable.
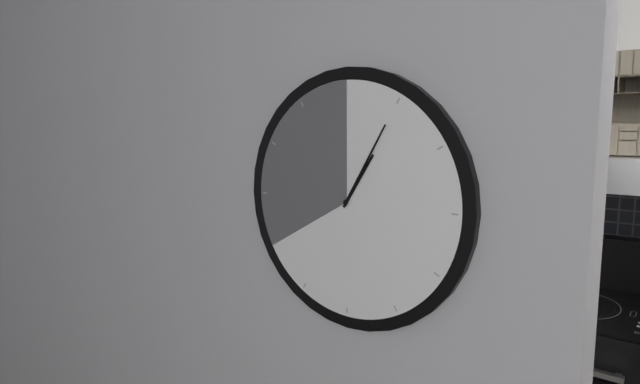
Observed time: **1:05**
